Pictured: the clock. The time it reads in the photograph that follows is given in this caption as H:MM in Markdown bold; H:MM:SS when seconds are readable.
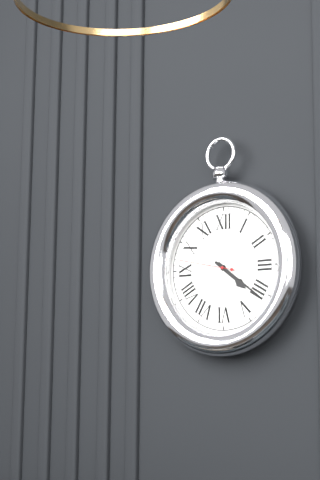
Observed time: **4:21:47**
